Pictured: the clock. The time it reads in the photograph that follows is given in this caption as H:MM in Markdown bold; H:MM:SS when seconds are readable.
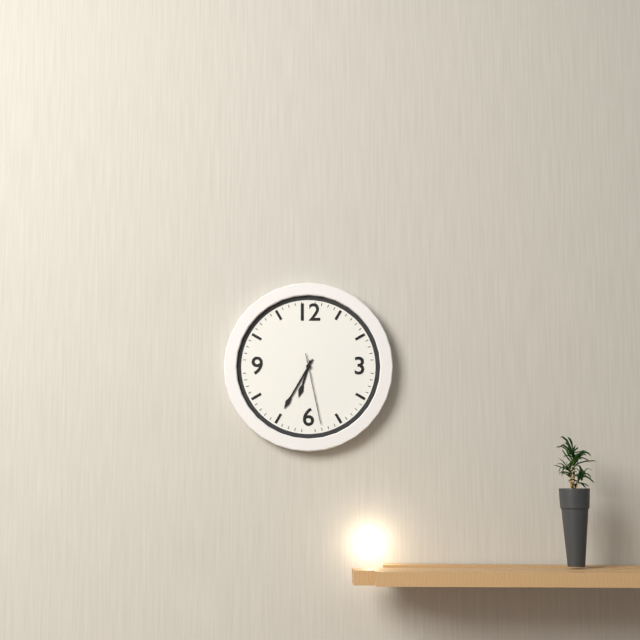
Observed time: **6:35:28**
